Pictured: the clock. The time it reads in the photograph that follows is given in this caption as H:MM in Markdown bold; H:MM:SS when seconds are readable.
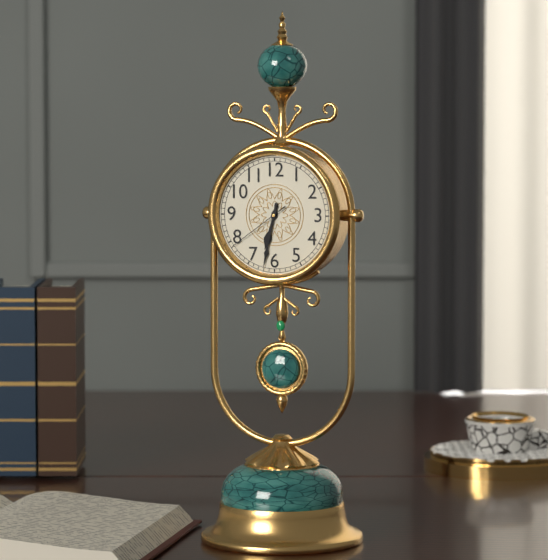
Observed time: **6:32:39**
